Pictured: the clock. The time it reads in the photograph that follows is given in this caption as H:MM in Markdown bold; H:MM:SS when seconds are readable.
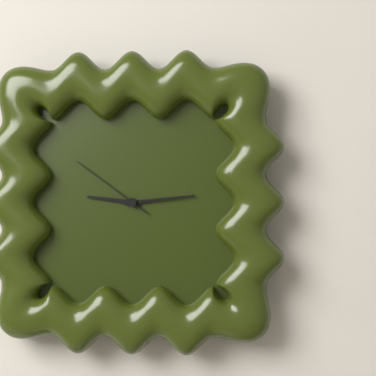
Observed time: **9:14:51**
